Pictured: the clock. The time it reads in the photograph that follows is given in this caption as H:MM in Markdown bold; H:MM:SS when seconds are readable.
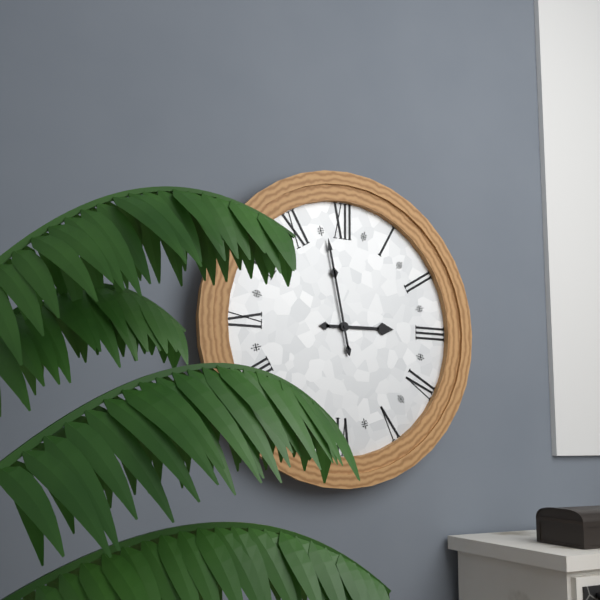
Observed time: **2:58**
